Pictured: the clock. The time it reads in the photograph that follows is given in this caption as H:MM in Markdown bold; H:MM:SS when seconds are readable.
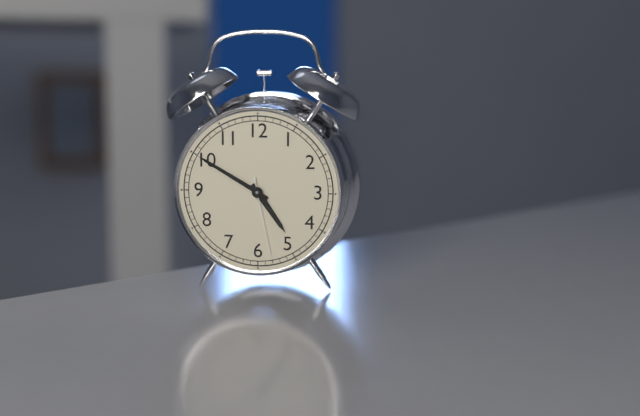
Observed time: **4:50:28**
